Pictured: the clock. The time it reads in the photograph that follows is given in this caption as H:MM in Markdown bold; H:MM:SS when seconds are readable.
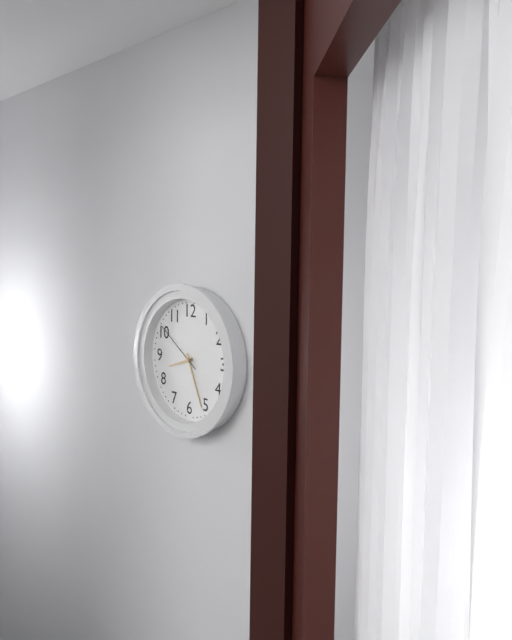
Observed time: **8:26:51**
